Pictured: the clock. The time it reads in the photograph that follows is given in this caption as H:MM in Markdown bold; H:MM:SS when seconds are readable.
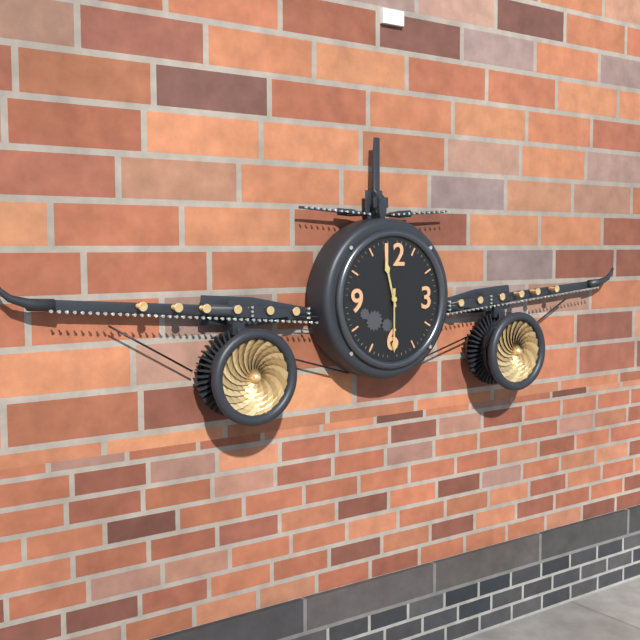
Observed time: **11:30**
